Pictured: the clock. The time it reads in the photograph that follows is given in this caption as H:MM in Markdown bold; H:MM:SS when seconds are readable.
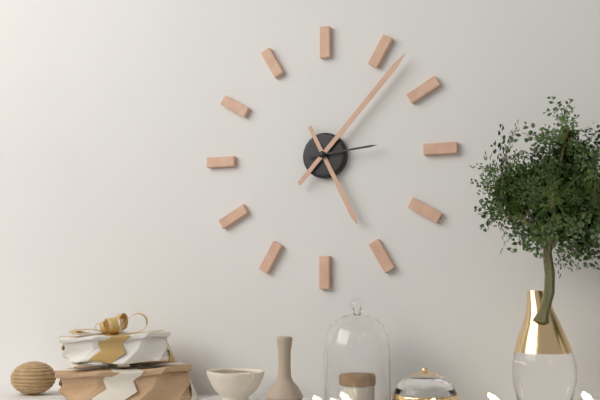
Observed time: **5:07:14**
